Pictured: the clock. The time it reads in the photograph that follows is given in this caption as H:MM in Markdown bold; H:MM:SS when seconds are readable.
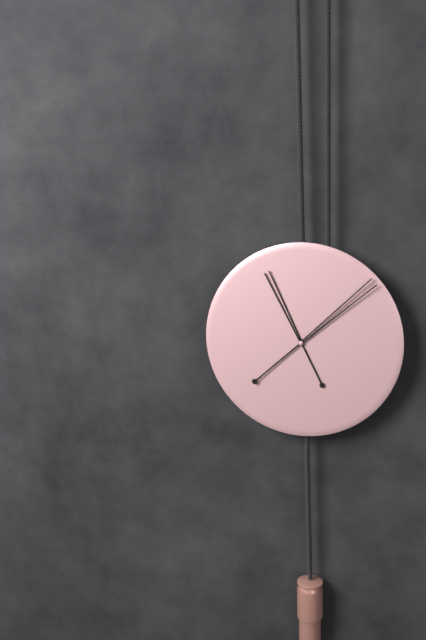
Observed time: **11:08**
